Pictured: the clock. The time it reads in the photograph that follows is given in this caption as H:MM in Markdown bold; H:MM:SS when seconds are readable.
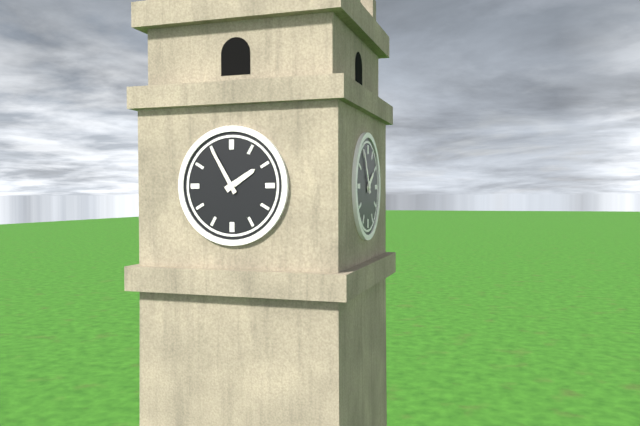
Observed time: **1:55**
